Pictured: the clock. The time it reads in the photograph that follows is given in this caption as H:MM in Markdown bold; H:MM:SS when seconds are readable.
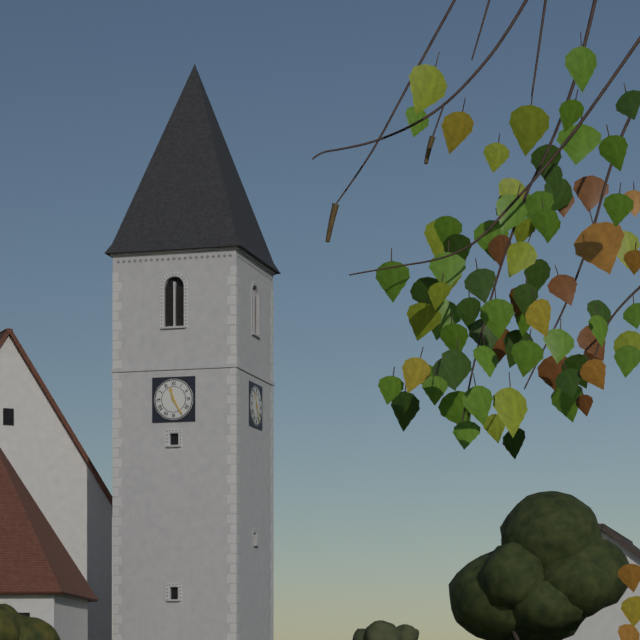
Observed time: **11:25**
